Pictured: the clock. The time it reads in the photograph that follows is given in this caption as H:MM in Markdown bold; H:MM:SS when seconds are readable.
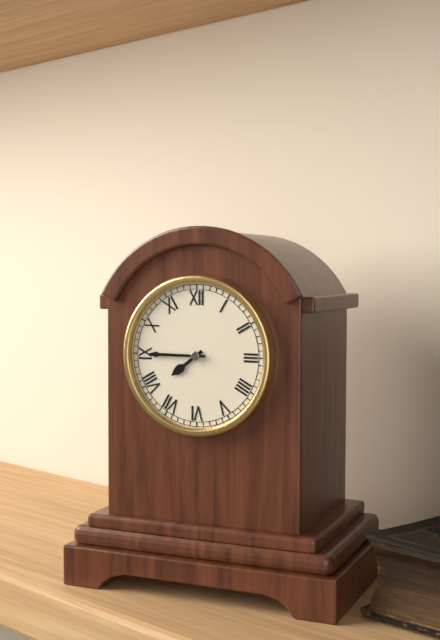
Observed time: **7:45**
